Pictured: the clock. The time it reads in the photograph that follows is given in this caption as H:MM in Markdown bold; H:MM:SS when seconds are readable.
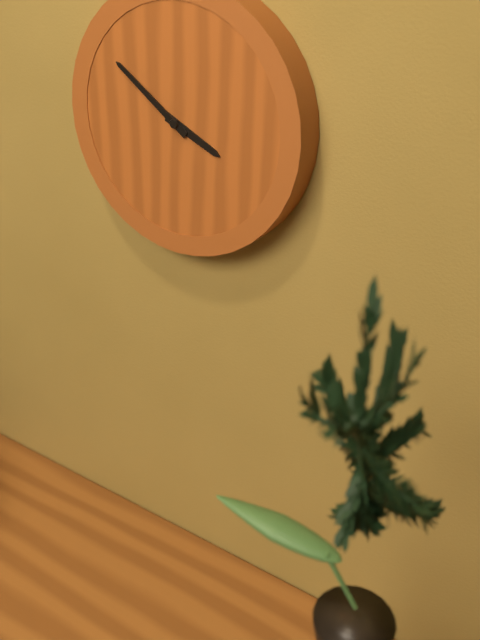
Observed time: **3:51**
